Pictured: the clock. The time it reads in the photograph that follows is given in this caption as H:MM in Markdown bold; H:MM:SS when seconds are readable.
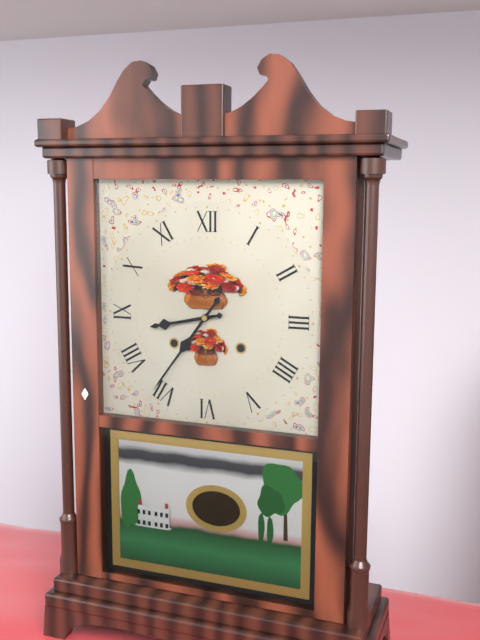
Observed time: **8:36**
